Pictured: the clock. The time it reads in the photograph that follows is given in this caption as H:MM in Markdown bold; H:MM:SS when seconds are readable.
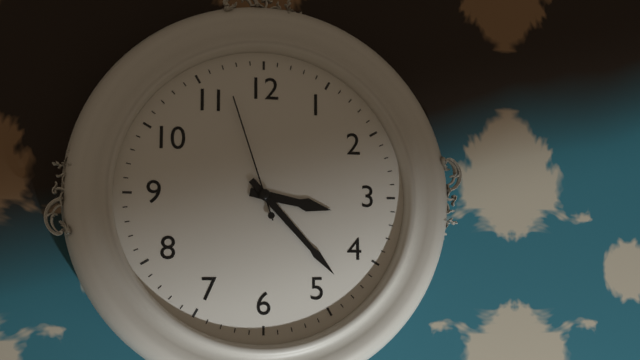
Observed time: **3:23:57**
